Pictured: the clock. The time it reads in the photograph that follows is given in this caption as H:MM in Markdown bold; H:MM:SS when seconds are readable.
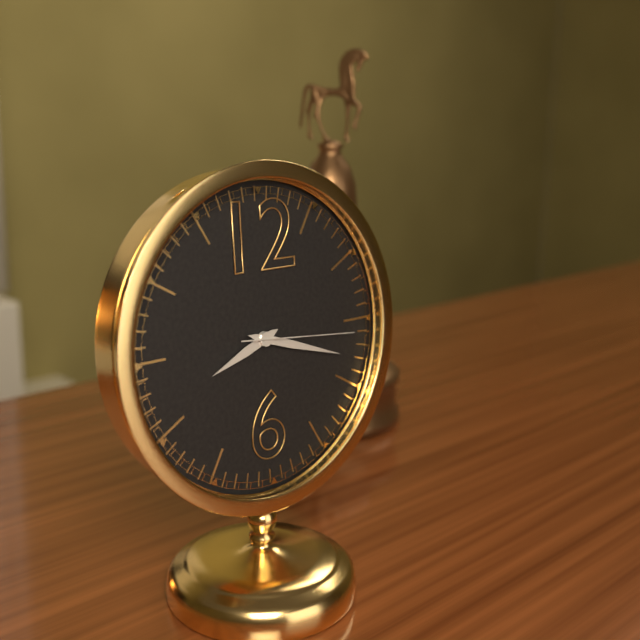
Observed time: **8:18:16**
